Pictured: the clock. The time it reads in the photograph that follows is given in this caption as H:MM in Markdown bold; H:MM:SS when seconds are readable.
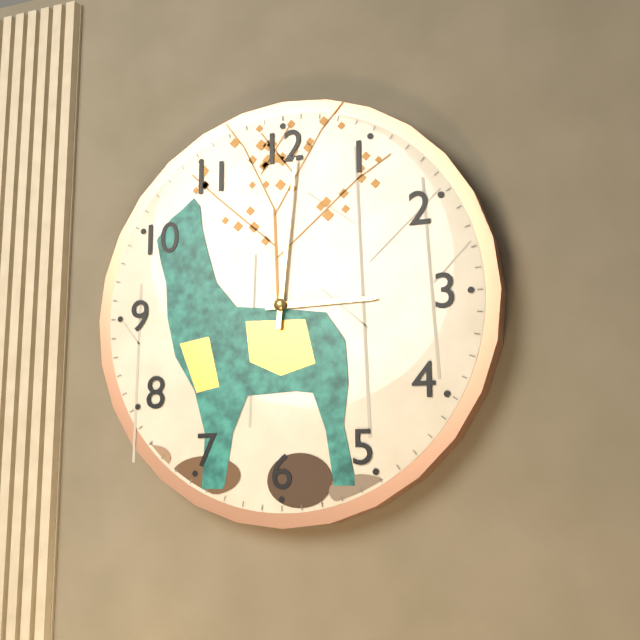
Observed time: **3:01**
